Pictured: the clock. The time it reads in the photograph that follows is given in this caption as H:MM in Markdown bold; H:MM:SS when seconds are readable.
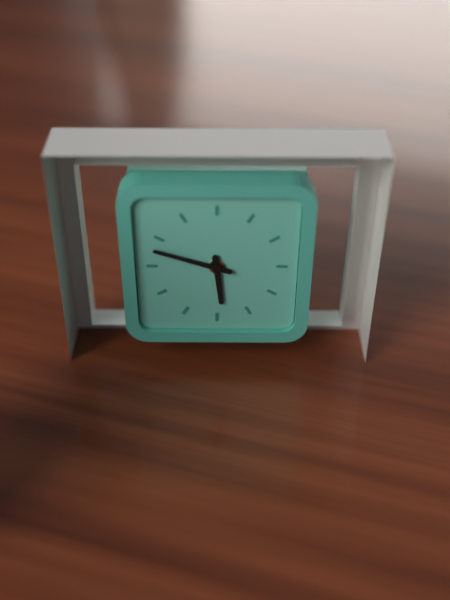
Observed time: **5:48**
